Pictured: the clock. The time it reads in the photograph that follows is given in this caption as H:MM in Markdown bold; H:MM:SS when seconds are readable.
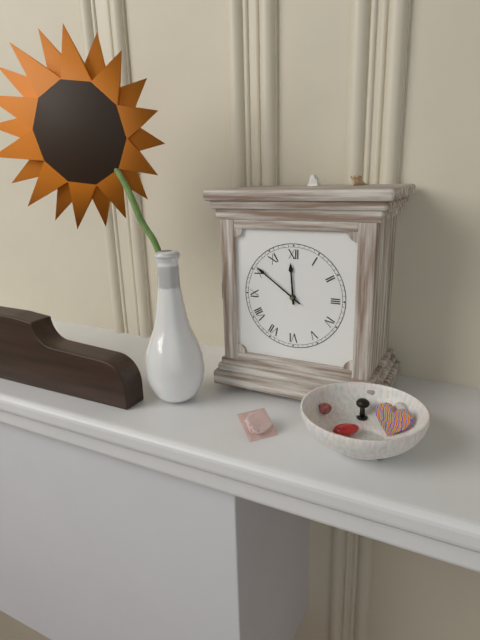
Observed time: **11:51**
